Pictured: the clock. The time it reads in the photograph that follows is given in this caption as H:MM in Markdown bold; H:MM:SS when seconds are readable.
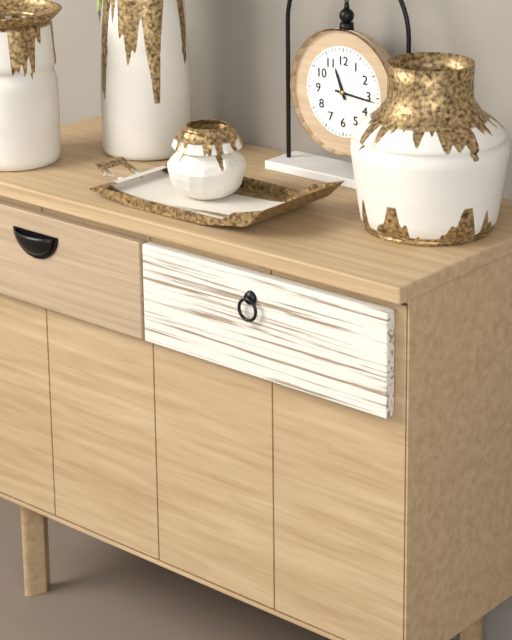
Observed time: **11:16**
